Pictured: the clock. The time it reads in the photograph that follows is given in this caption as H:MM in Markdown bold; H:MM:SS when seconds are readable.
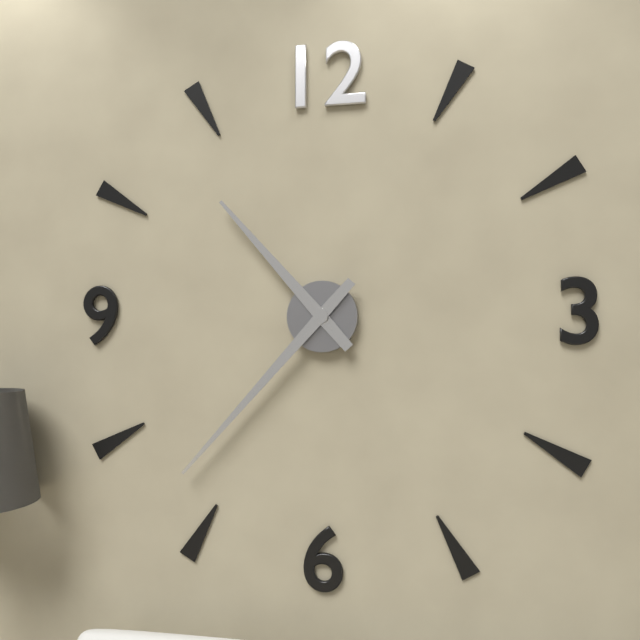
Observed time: **10:37**
